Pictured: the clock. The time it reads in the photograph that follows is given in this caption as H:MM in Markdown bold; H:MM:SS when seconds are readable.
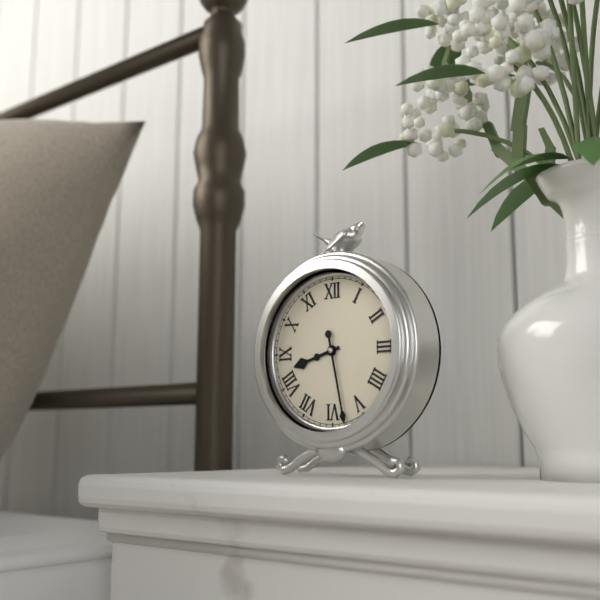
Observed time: **8:28**
